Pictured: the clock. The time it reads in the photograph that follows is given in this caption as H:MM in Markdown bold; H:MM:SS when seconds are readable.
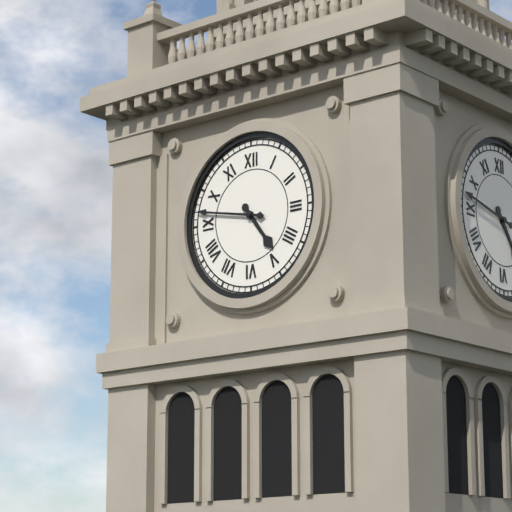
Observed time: **4:47**
